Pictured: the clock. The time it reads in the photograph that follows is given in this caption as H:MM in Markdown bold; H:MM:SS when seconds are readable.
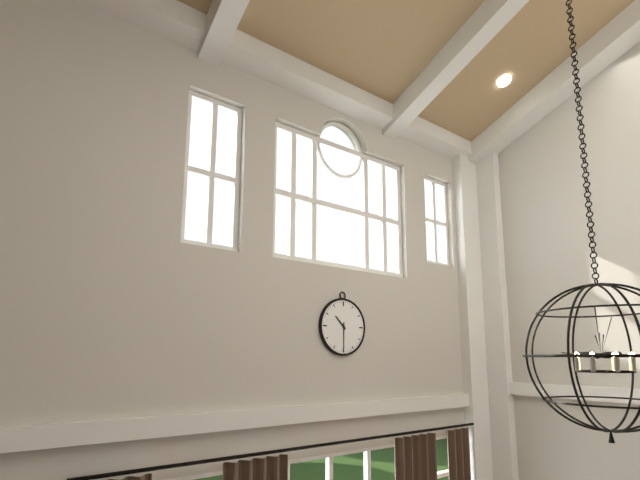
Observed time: **10:30**
